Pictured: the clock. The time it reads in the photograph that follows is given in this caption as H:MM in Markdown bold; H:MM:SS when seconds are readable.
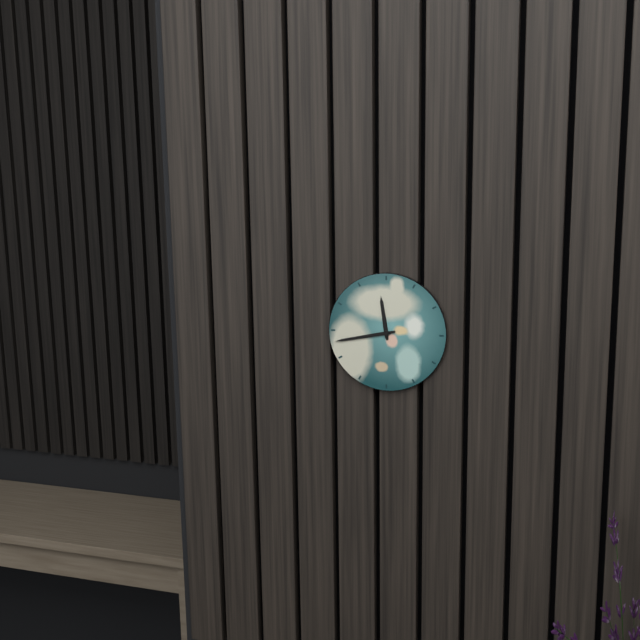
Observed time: **11:43**
